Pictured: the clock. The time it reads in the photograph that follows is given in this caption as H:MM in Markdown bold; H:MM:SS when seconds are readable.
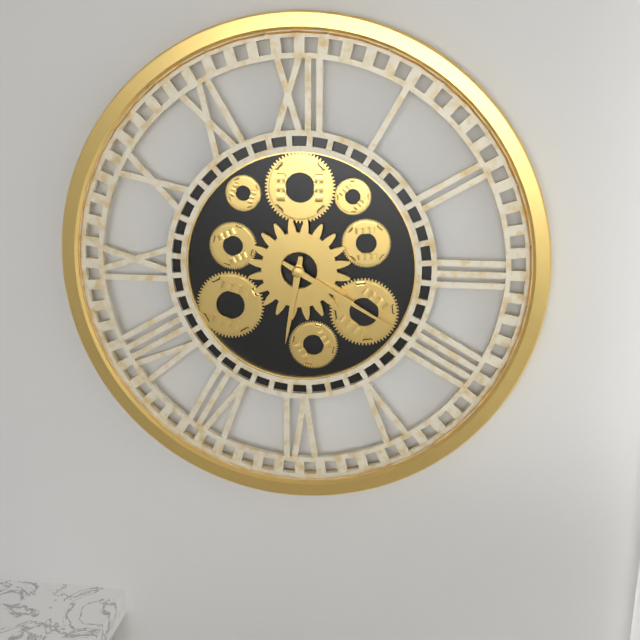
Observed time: **6:20**
